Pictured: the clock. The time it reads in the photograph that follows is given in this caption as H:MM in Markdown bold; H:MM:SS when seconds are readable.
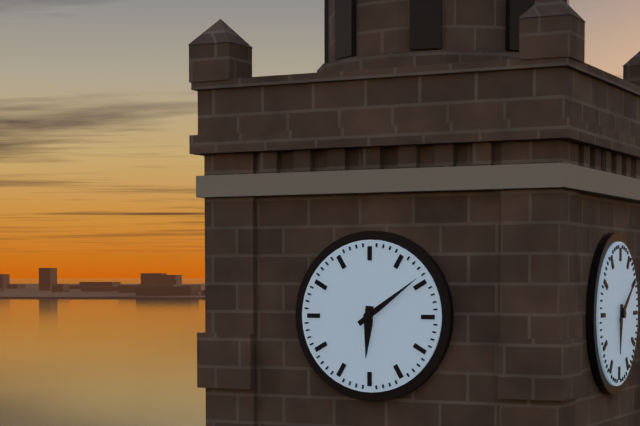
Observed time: **6:09**
